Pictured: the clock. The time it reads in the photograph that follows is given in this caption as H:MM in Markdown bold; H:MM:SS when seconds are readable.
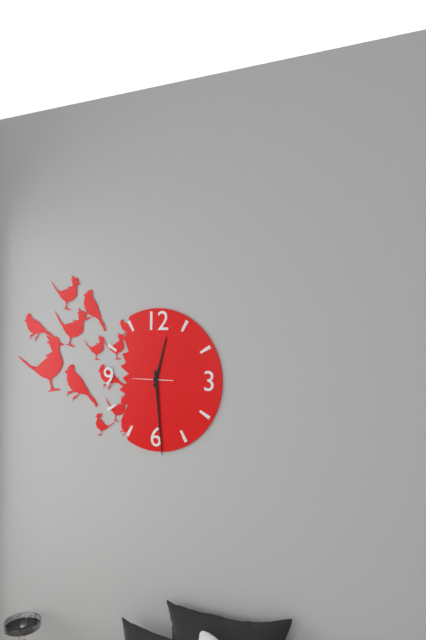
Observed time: **12:29**
